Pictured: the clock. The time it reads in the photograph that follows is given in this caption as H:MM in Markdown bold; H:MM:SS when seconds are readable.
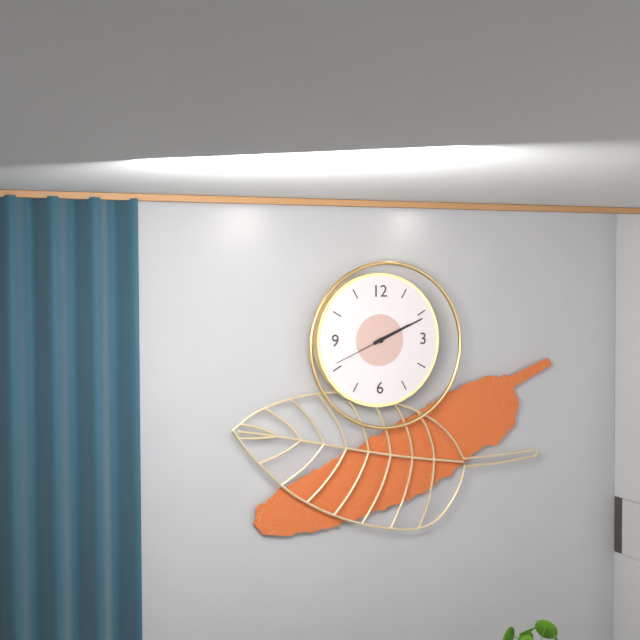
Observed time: **2:11:41**
